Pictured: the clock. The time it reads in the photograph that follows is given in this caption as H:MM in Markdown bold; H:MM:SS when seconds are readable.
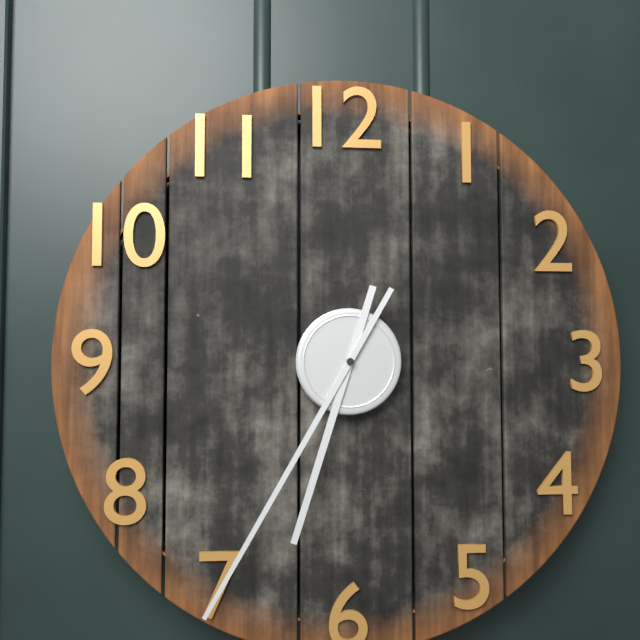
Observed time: **6:35**
